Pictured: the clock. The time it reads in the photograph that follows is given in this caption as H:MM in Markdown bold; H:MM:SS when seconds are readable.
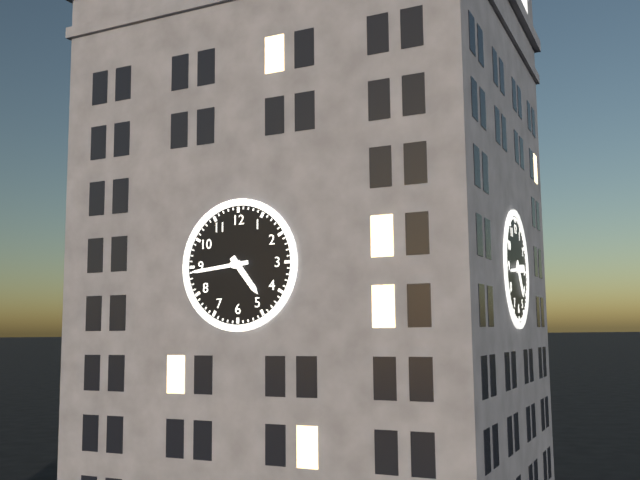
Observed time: **4:44**
